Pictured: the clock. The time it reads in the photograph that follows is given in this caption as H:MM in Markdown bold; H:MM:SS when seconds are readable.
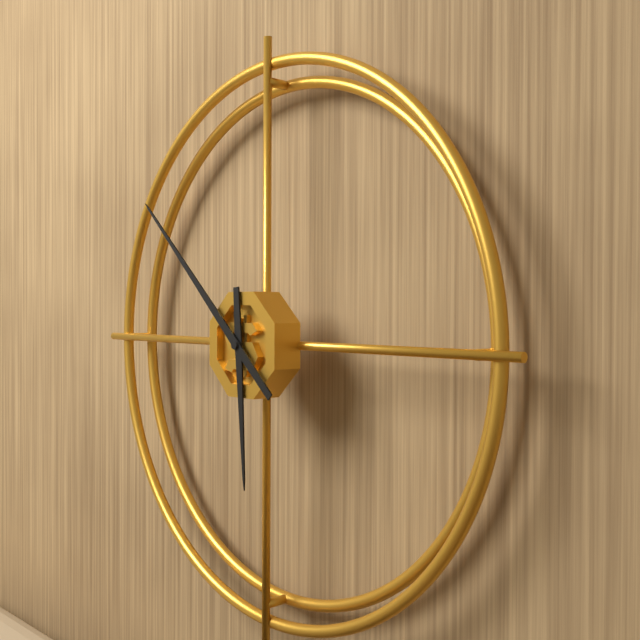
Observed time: **5:52**
